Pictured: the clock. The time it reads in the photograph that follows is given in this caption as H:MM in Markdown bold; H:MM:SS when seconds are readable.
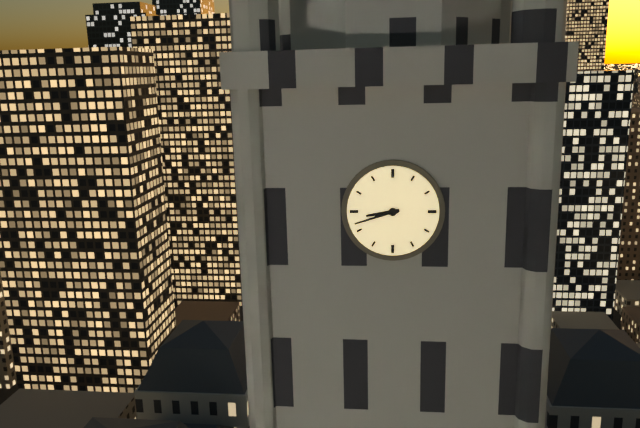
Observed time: **8:42**
